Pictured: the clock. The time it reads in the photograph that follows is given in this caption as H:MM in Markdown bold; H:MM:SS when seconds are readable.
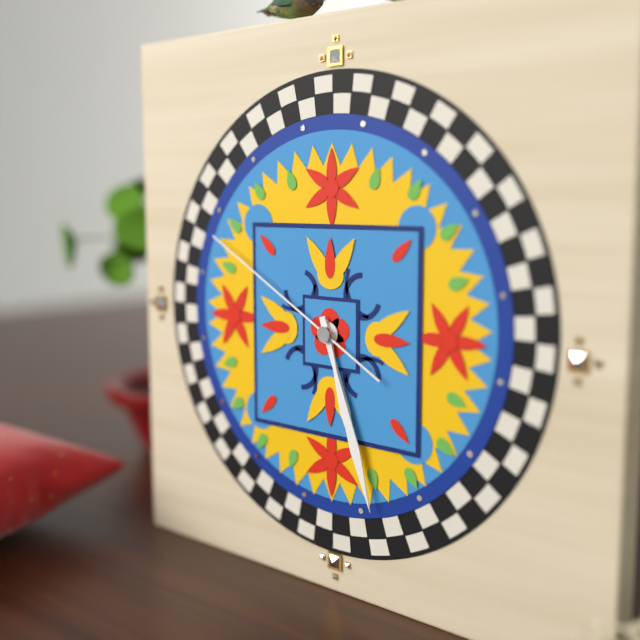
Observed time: **5:27:50**
